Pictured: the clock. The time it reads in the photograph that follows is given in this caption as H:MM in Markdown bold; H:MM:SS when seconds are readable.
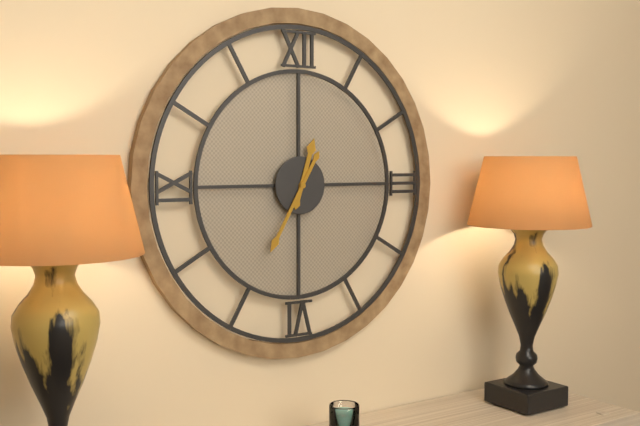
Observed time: **12:35**
